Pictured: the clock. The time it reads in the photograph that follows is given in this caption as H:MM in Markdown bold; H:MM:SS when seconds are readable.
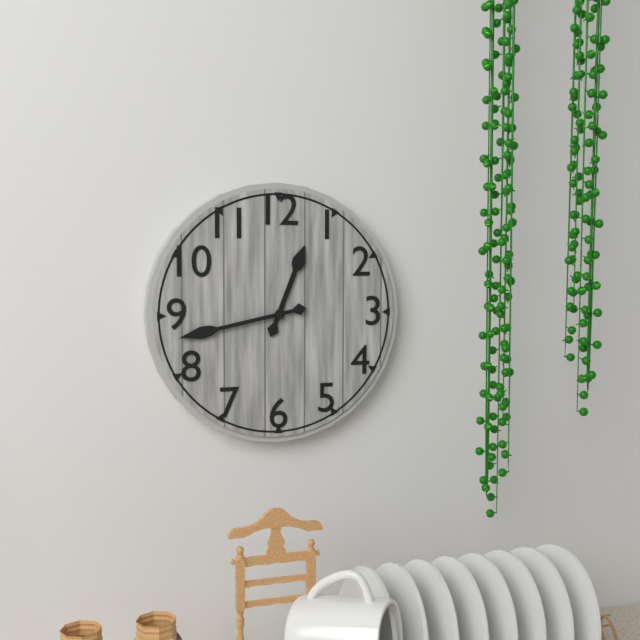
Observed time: **12:43**
